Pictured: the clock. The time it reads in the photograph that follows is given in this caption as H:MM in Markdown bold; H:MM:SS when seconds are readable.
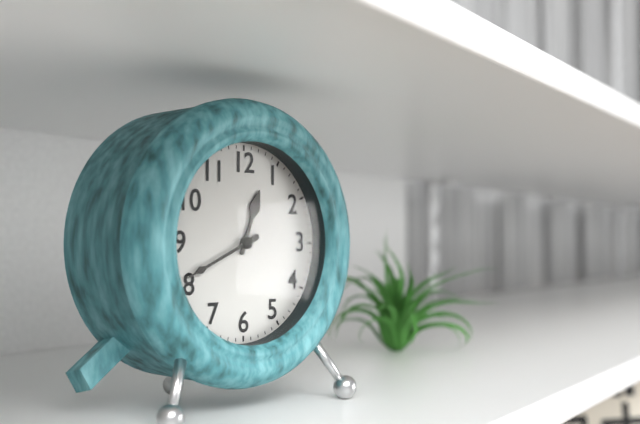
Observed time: **12:41**
